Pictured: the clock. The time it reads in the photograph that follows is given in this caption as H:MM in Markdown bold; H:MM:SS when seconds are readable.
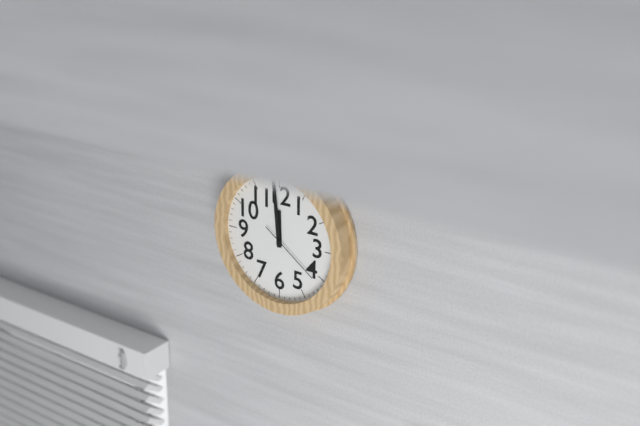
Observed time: **11:59:21**
